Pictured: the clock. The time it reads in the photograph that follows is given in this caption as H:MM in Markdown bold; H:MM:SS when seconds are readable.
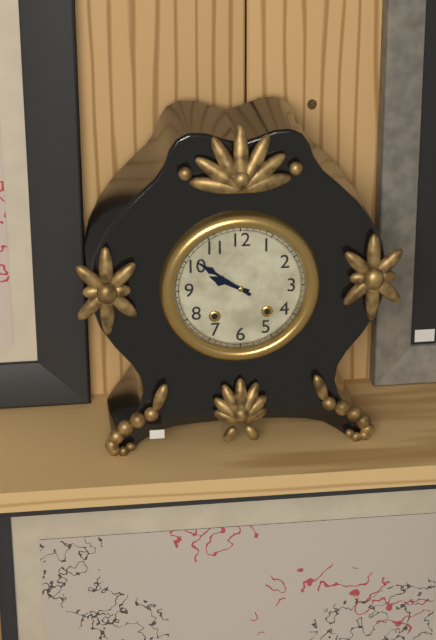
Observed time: **9:51**
